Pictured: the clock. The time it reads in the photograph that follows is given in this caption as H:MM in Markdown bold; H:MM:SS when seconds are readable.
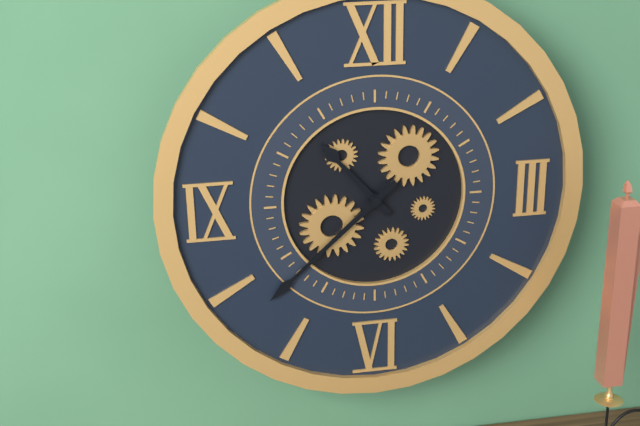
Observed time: **10:38**
